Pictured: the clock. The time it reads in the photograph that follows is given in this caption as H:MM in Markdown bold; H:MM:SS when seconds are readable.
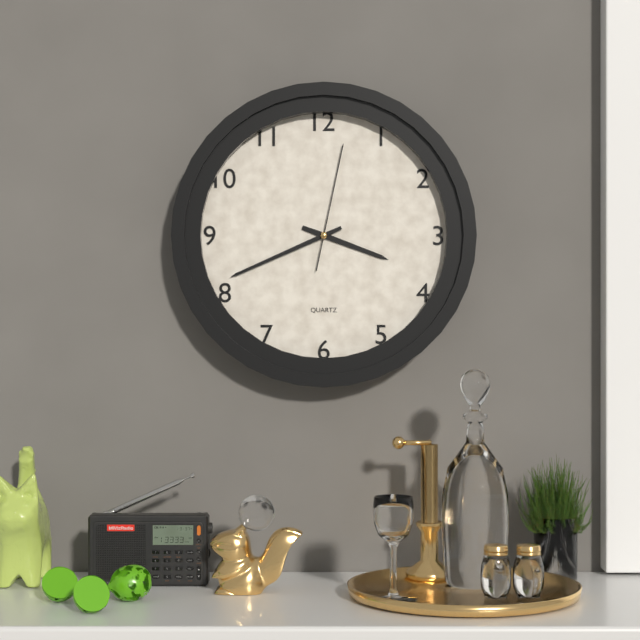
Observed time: **3:41:02**
